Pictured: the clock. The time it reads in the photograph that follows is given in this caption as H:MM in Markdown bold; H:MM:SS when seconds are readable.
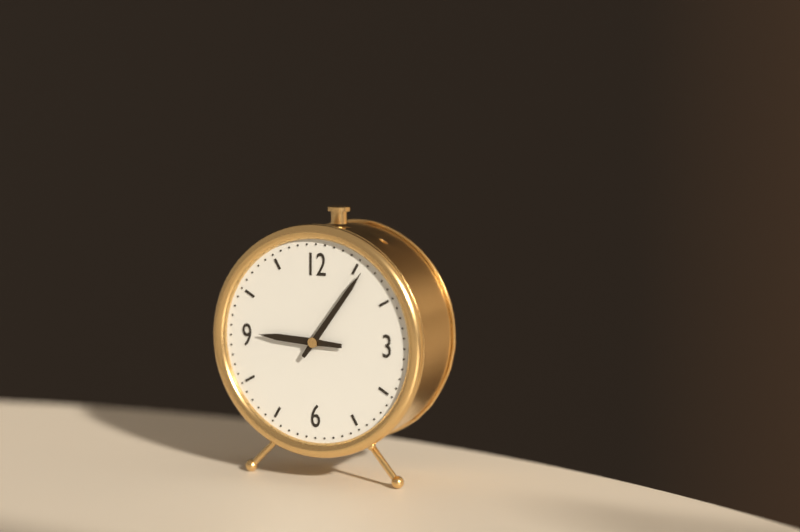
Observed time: **9:06**
